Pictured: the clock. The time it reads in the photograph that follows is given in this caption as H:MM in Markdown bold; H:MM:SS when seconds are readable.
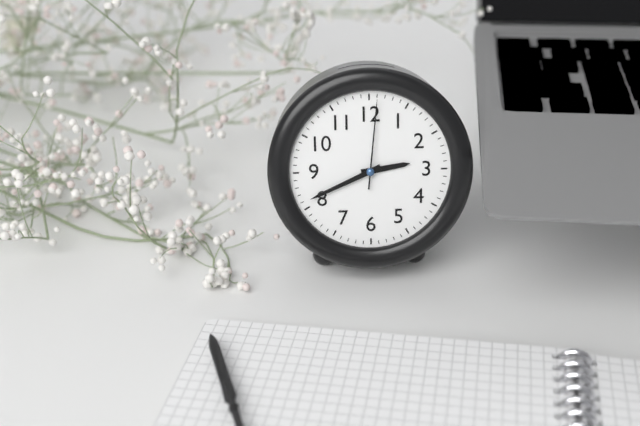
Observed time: **2:41:01**
